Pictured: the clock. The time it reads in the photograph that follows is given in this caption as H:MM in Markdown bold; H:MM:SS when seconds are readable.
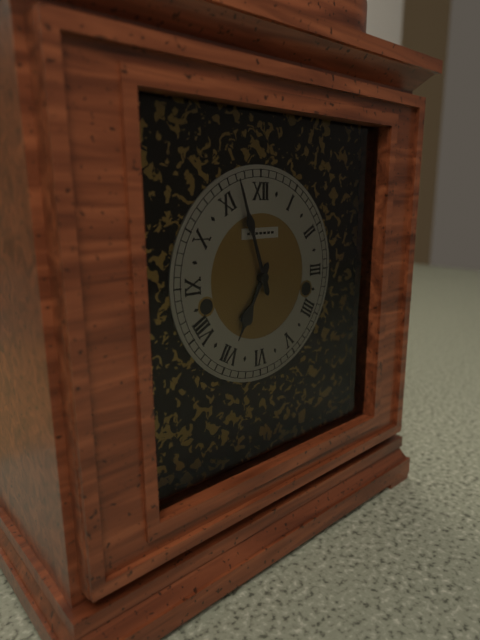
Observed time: **6:57**
